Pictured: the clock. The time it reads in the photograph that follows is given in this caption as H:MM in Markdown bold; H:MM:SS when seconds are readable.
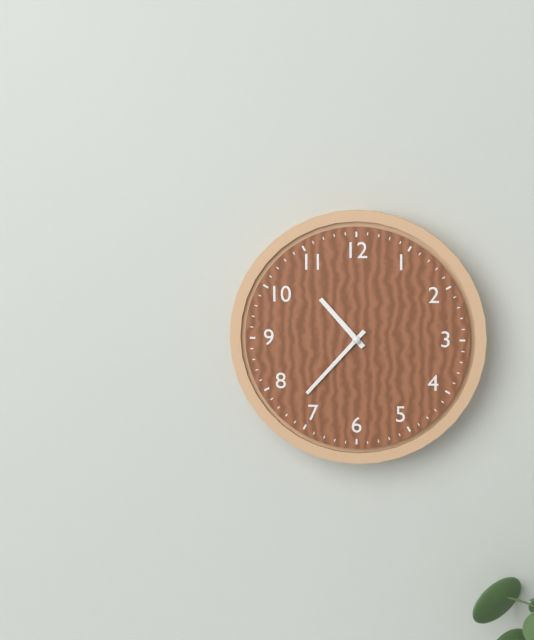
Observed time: **10:37**
